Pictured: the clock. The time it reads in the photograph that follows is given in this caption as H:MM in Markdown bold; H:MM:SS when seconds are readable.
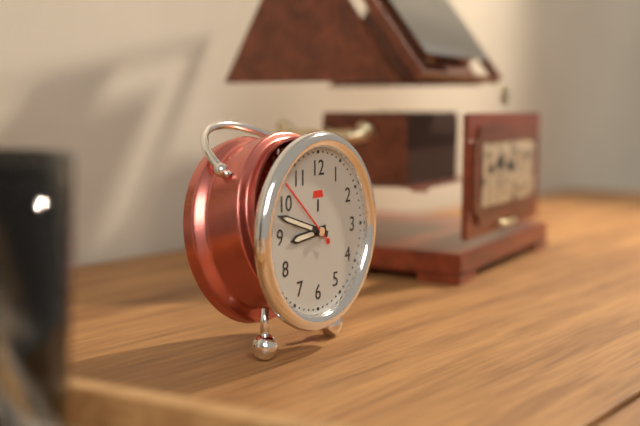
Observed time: **8:48:52**
